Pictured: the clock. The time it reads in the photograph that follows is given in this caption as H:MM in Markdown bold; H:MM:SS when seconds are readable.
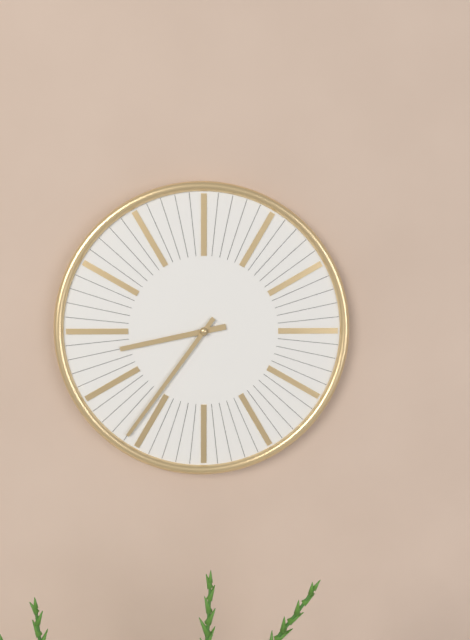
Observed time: **8:36**
